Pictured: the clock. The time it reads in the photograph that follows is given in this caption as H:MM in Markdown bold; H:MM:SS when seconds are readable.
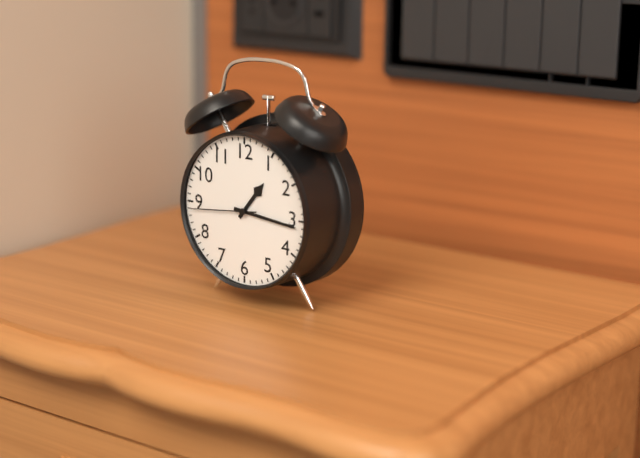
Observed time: **1:16:44**
